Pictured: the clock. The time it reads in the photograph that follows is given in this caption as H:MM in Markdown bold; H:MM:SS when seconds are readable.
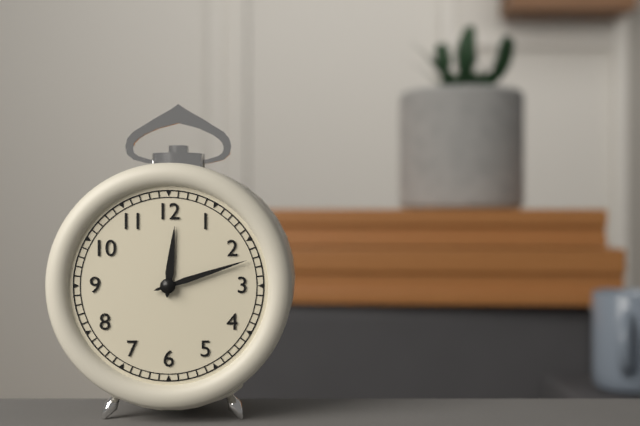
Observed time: **12:12**
